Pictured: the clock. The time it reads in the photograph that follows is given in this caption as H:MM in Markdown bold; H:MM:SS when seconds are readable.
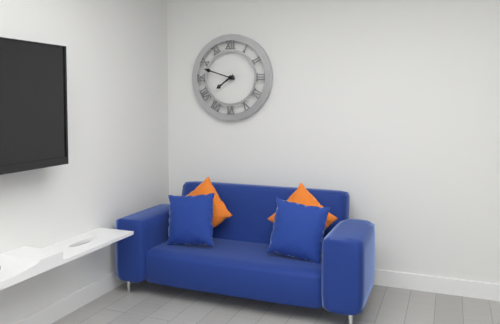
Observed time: **7:48**
